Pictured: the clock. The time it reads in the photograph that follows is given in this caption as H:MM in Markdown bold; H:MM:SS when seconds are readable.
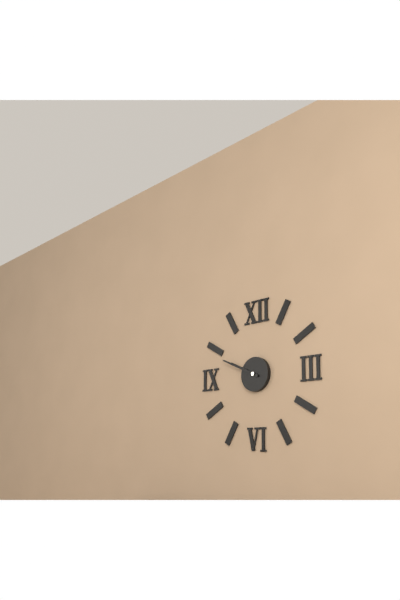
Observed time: **9:49**
